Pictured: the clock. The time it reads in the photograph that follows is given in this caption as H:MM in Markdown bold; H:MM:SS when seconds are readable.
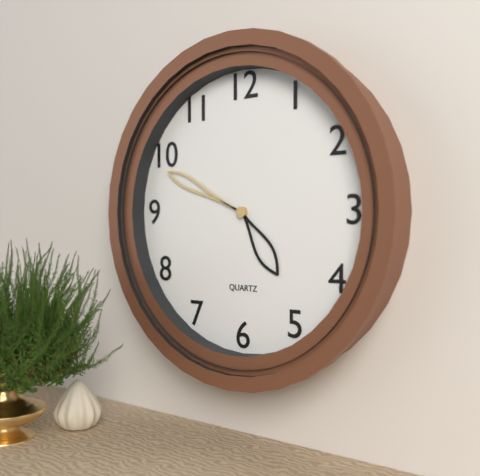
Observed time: **4:49**
